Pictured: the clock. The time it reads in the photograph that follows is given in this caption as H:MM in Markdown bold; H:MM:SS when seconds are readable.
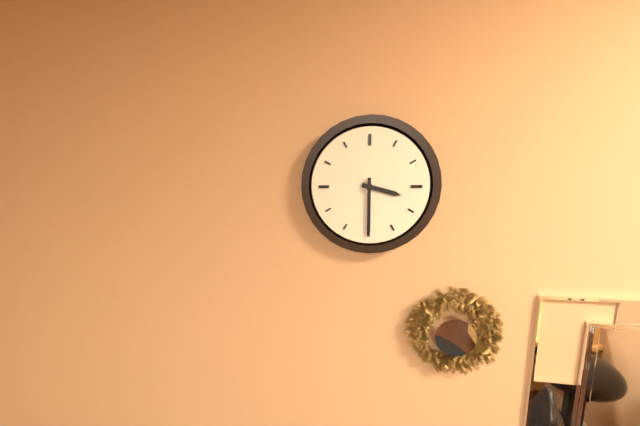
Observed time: **3:30**
